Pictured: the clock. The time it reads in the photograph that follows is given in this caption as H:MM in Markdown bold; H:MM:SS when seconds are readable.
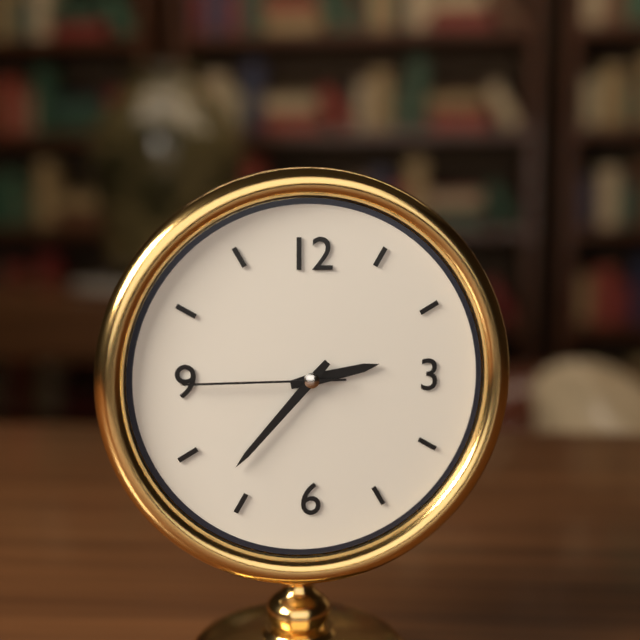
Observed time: **2:37:45**
